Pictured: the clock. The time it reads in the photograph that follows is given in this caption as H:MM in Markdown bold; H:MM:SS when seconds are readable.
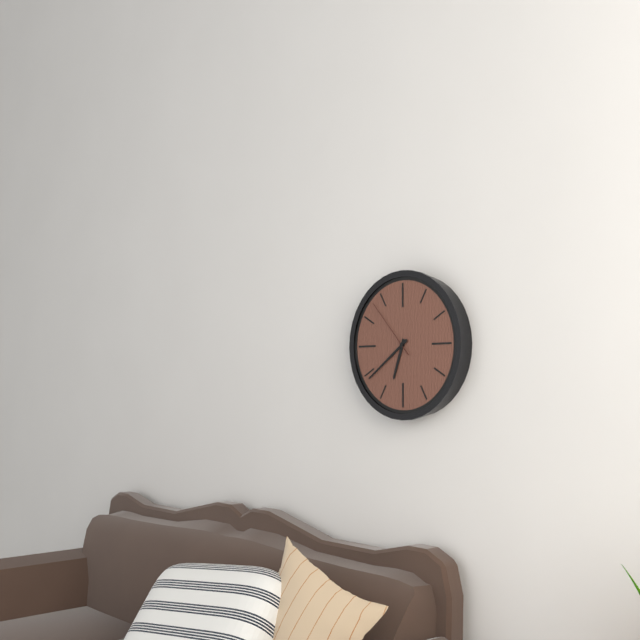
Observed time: **6:39:53**
